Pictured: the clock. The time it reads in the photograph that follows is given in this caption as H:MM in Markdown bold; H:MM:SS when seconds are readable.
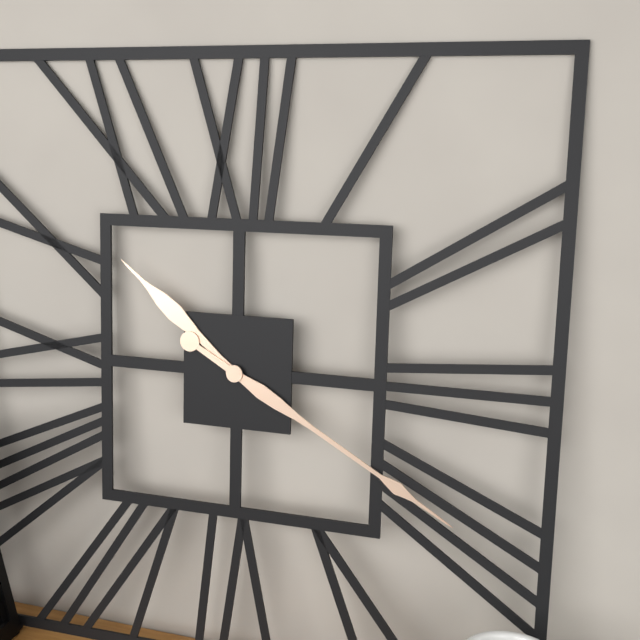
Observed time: **10:20**
